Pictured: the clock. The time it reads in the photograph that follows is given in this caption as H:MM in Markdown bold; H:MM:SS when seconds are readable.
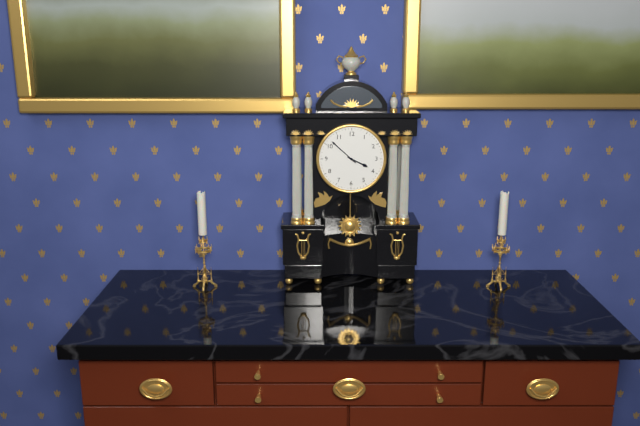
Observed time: **3:52**
